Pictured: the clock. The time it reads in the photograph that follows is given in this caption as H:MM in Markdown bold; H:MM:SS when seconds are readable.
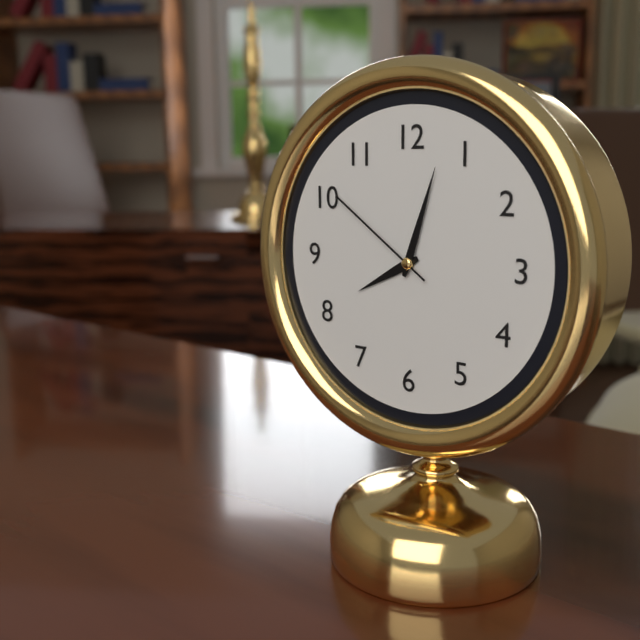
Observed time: **8:03:51**
